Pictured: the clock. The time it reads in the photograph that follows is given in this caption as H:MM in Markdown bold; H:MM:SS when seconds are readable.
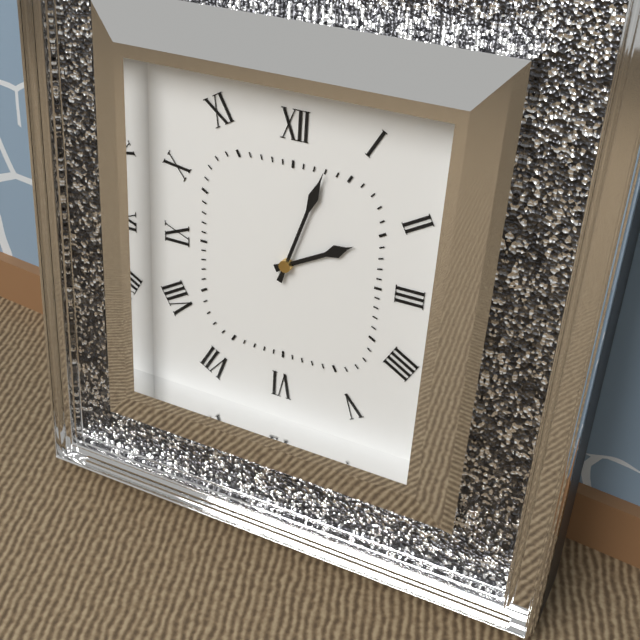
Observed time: **2:03**
